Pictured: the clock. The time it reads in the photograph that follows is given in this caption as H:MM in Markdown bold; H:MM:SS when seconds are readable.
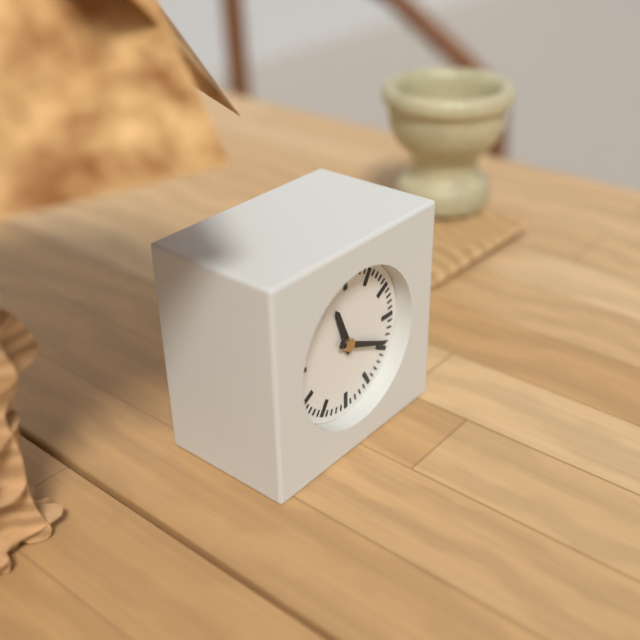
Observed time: **11:19**
